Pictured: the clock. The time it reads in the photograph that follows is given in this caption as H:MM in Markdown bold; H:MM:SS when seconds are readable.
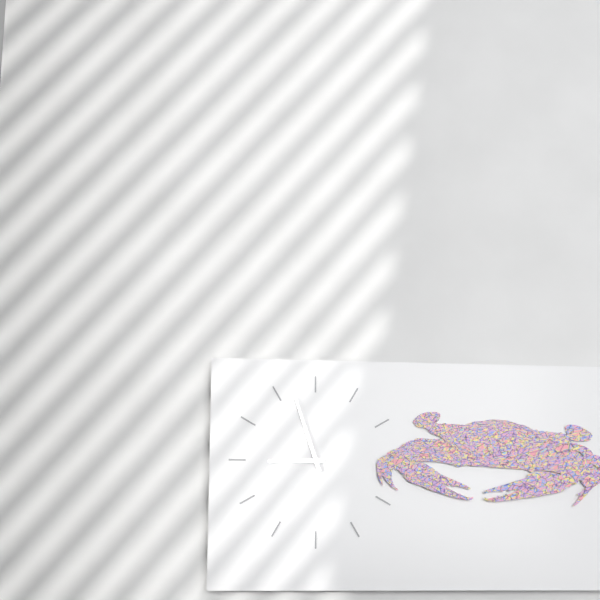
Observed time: **8:57**
